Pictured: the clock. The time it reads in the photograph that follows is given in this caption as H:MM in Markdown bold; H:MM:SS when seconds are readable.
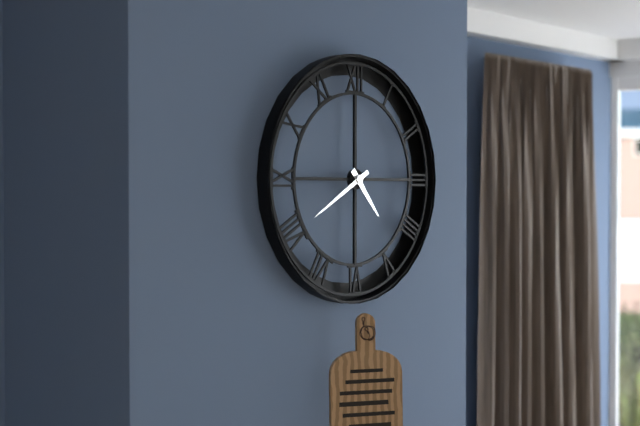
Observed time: **4:40**
